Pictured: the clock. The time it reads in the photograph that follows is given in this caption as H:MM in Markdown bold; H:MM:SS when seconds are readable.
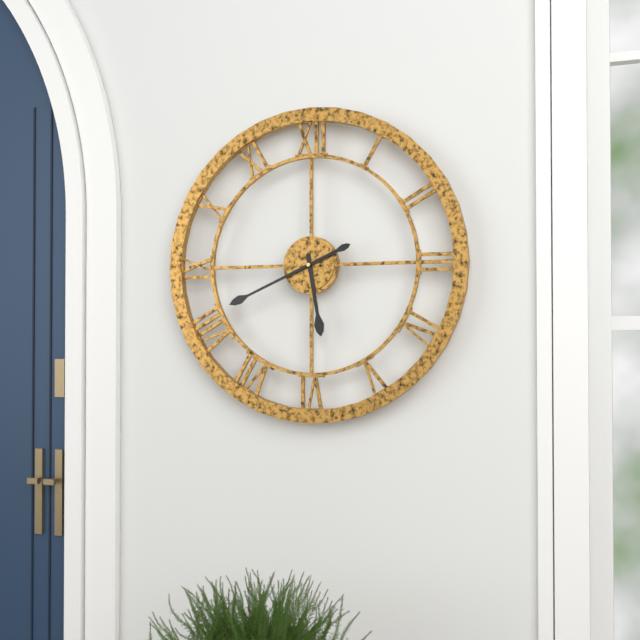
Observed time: **5:41**
